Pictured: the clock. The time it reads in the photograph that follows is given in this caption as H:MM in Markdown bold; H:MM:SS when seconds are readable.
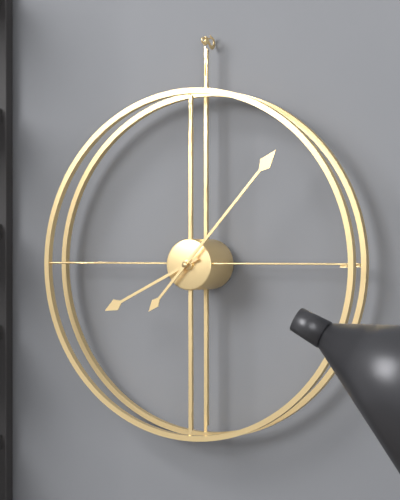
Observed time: **8:07**
